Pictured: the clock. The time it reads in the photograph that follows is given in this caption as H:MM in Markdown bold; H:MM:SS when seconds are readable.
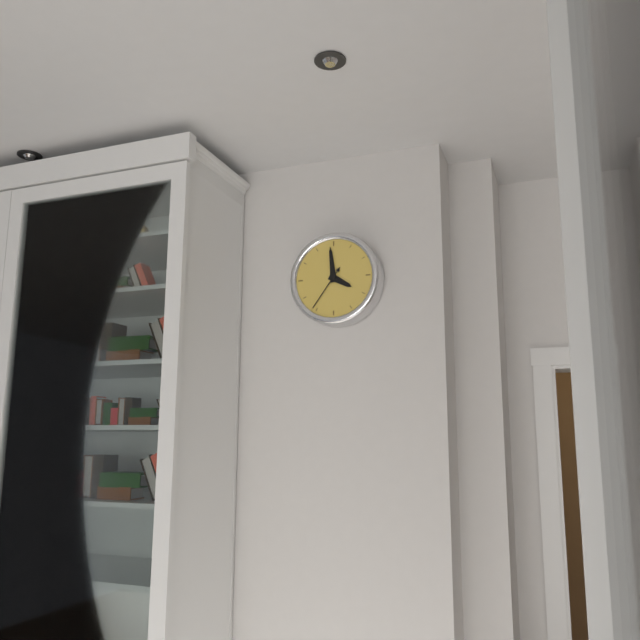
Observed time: **3:59**
